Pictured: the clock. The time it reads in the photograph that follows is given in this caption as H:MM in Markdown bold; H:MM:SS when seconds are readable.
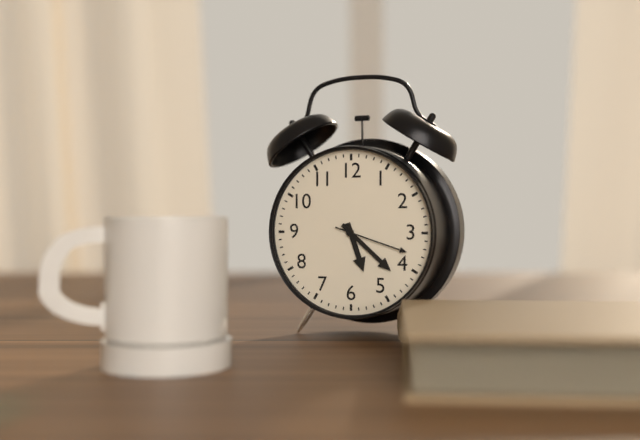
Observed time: **5:22:18**
